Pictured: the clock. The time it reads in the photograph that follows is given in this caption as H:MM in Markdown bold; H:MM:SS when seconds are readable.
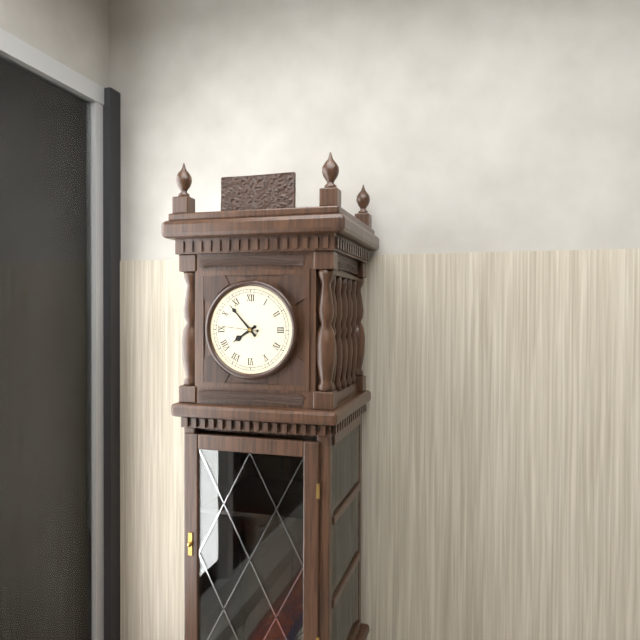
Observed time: **7:53**
